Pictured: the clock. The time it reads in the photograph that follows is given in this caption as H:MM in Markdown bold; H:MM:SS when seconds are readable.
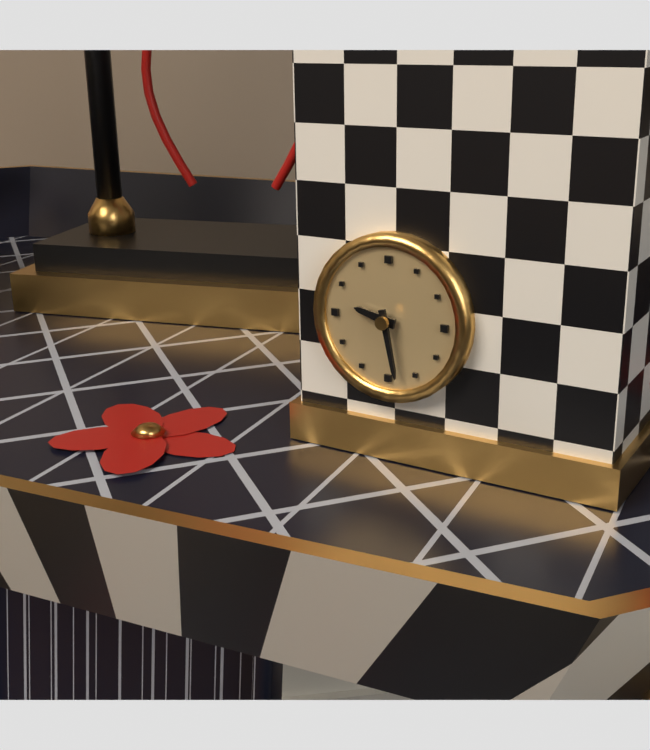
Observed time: **9:28**
